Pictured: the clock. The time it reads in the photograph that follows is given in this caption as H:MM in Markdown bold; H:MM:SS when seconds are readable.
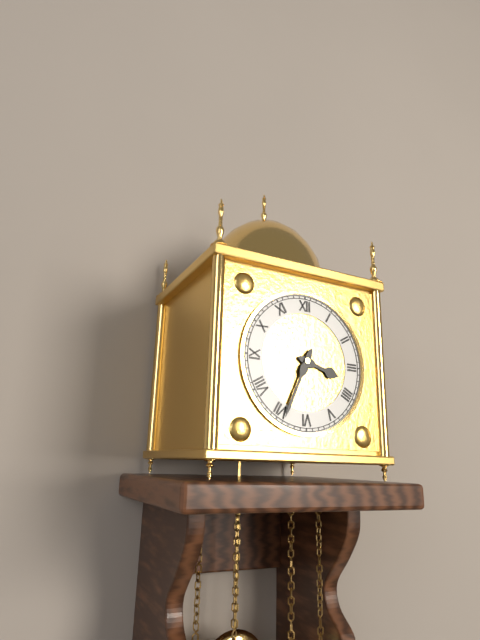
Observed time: **3:34**
